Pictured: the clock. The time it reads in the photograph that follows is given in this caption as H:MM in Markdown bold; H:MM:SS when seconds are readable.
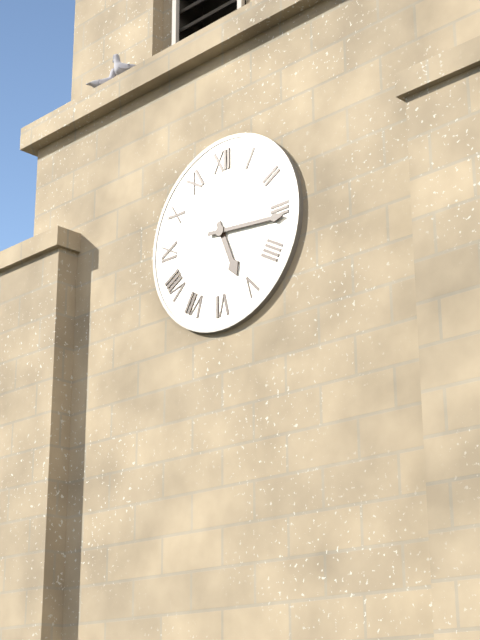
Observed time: **5:16**
